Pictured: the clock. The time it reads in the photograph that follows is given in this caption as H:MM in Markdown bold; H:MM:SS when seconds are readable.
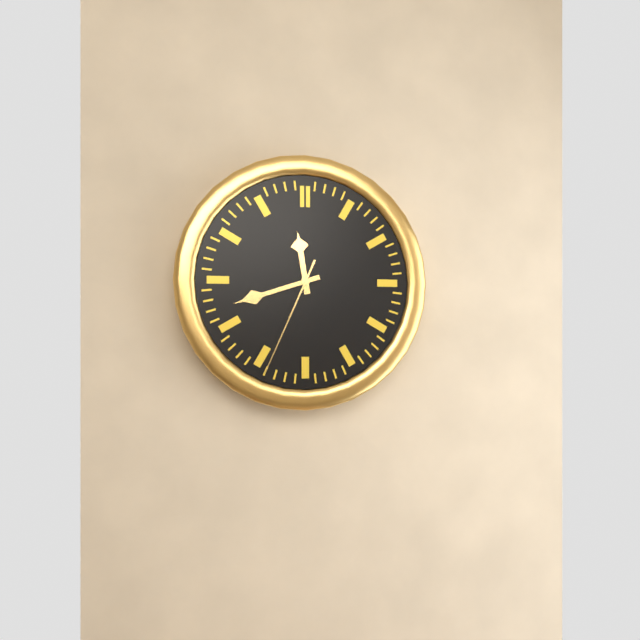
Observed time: **11:42:34**
